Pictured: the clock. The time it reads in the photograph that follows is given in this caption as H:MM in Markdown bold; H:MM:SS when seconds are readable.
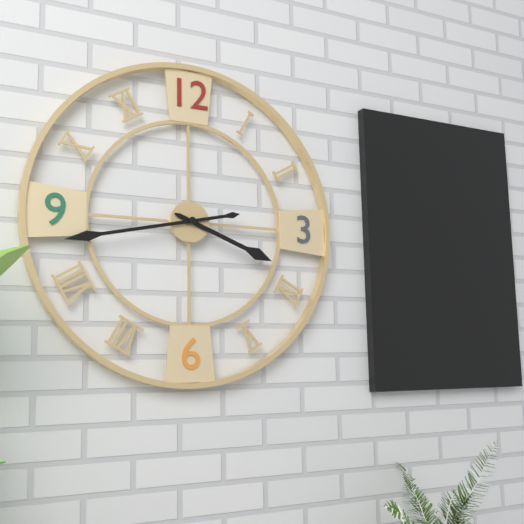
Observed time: **3:43**
